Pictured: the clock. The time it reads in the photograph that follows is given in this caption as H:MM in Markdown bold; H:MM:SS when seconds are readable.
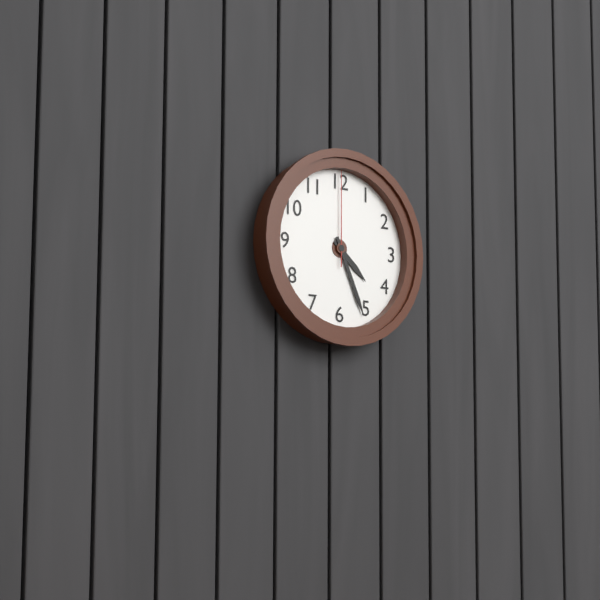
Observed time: **4:26:00**
